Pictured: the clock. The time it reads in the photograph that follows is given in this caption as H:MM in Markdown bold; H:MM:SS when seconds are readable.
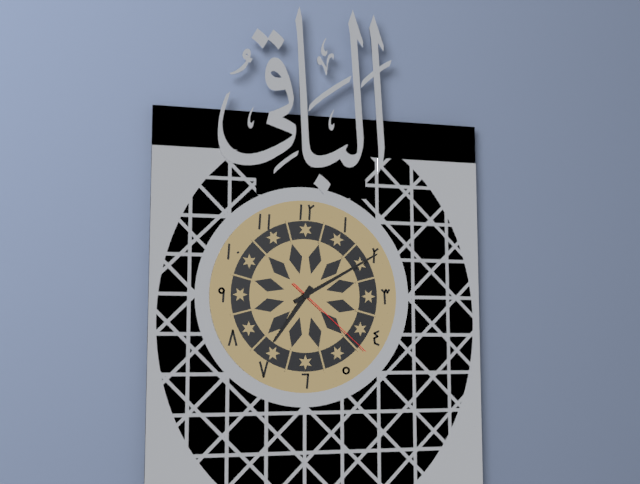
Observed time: **7:10:22**
